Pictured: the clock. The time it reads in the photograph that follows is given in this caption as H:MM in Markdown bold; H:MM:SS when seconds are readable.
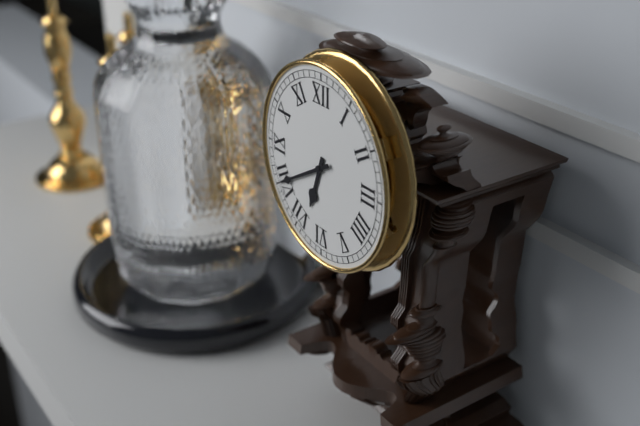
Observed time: **6:40**
